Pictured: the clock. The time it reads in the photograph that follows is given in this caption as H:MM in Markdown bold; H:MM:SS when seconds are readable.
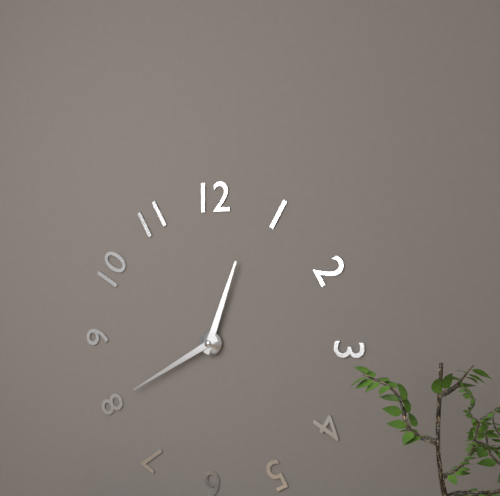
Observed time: **12:40**
